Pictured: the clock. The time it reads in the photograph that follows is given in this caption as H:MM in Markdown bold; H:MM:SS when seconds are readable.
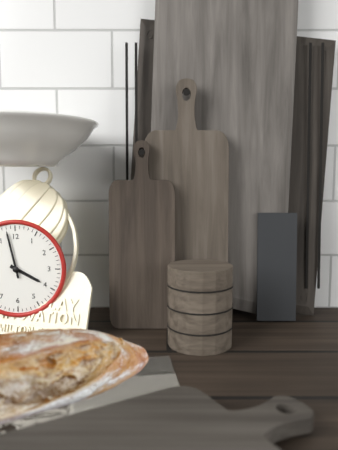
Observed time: **3:58**
